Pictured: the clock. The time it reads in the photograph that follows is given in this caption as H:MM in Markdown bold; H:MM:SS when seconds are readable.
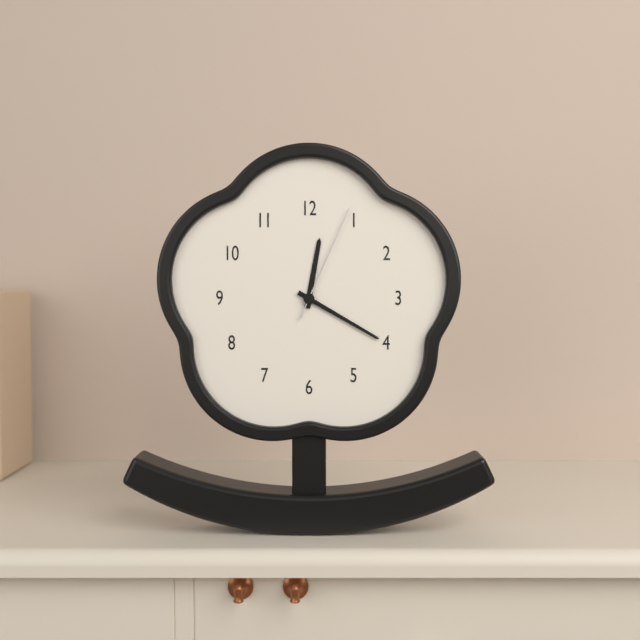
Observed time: **12:20:04**
